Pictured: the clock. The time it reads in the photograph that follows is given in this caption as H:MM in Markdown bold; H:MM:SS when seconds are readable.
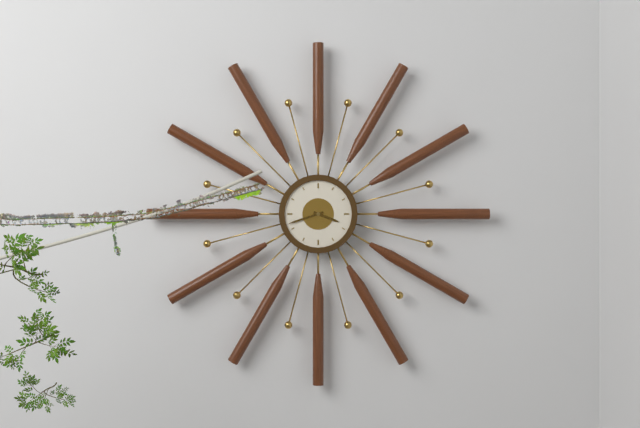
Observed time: **3:42**
